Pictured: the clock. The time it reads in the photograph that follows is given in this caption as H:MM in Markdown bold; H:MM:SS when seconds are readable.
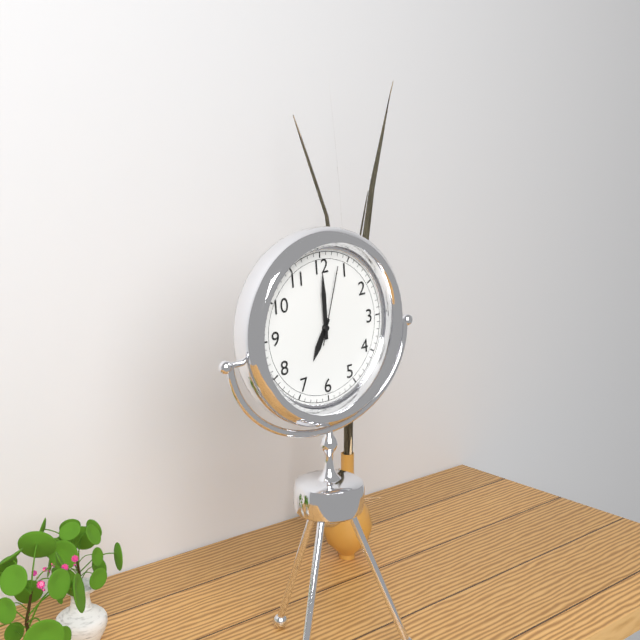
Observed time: **7:00:03**
